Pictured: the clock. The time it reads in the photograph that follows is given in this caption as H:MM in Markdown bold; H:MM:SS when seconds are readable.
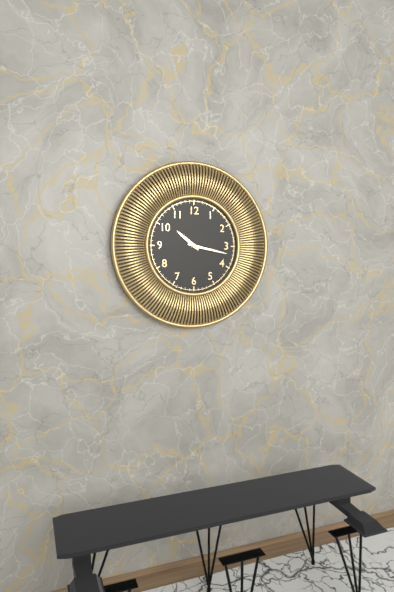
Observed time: **10:17**
